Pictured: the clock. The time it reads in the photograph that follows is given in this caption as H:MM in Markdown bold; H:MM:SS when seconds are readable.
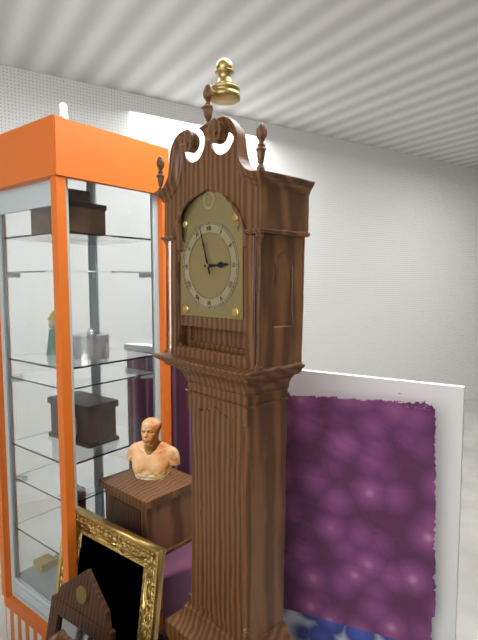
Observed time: **2:57**
